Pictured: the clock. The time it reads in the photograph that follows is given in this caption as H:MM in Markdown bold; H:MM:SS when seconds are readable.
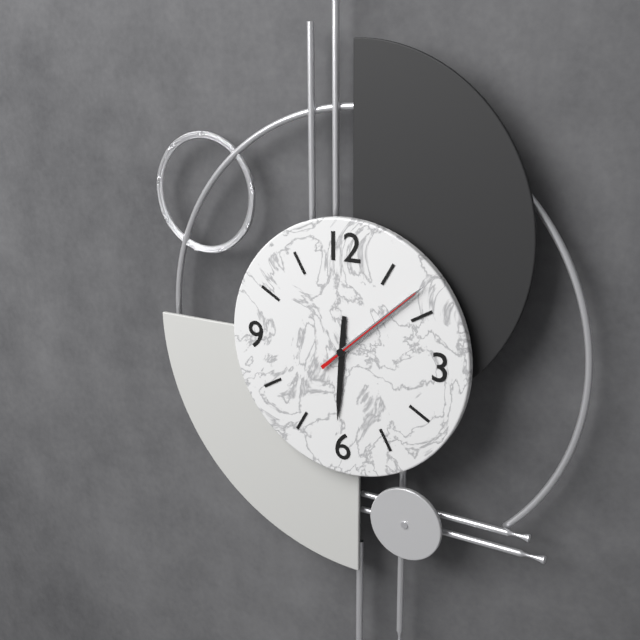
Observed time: **6:08:08**
